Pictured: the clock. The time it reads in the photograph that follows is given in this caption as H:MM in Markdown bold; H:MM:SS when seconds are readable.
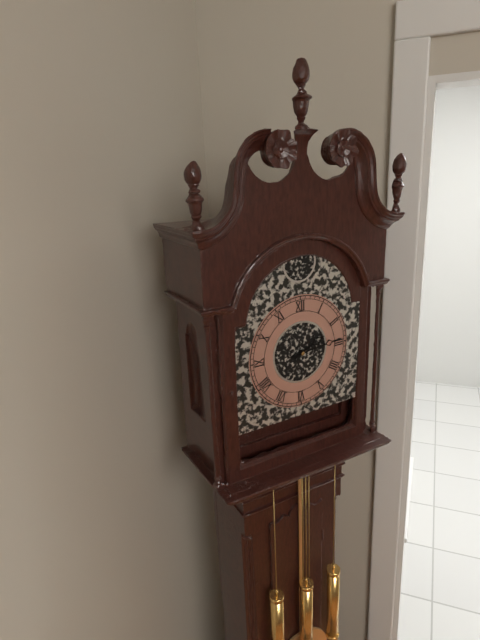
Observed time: **2:14**
